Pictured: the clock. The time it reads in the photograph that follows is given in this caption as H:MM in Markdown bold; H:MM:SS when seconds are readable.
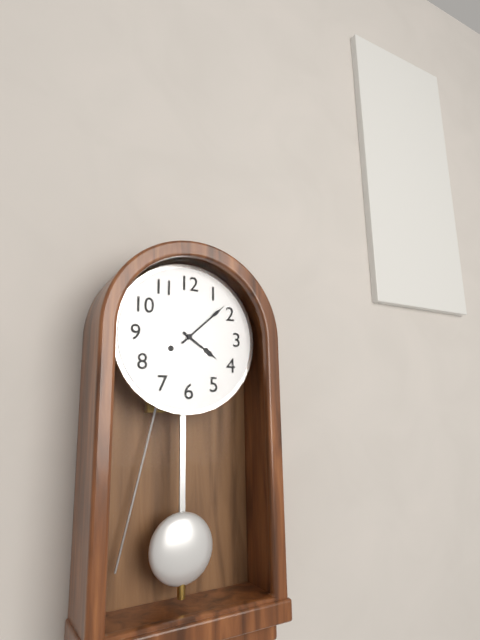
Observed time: **4:08**
